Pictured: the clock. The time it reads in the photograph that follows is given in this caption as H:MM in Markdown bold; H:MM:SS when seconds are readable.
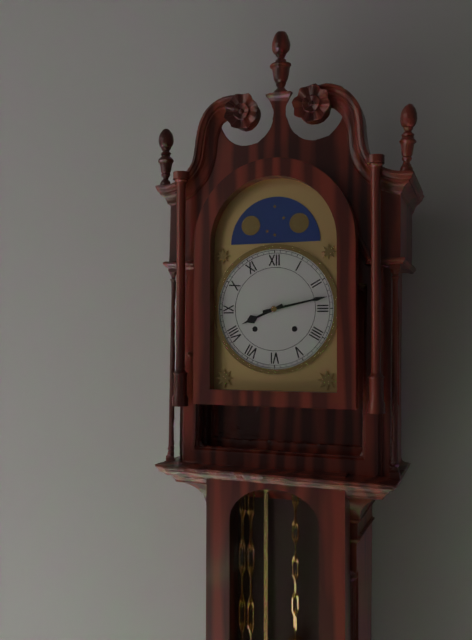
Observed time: **8:13**
